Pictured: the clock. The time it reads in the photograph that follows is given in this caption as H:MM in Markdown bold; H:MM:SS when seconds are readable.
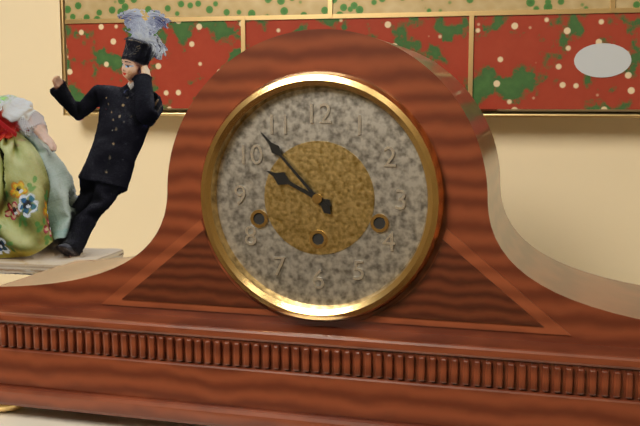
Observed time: **9:53**
